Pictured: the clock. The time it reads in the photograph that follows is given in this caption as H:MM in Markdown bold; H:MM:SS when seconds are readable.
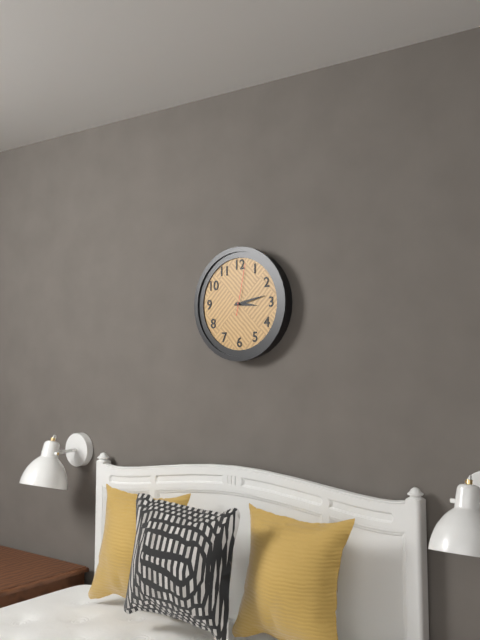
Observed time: **3:13:02**
